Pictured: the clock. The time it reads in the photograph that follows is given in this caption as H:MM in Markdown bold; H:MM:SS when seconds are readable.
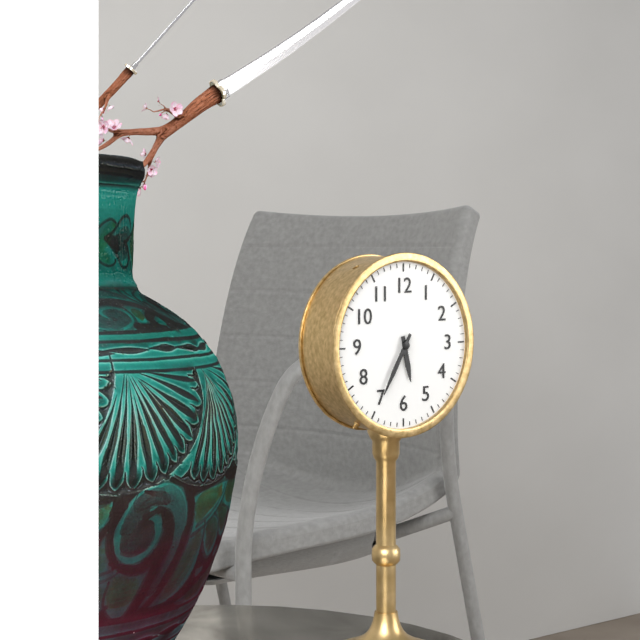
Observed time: **5:35**
